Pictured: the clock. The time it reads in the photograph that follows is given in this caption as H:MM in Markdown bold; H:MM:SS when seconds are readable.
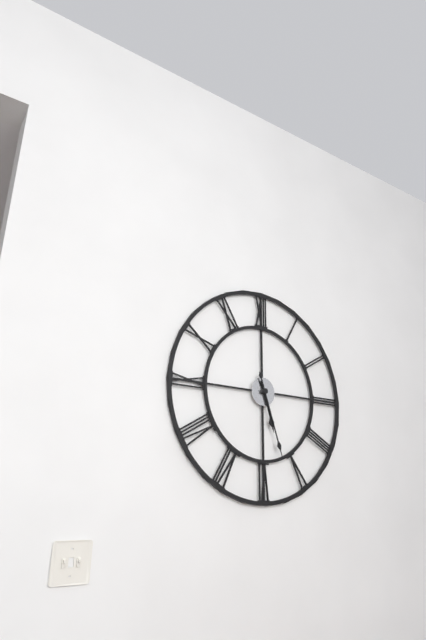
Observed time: **5:27**
